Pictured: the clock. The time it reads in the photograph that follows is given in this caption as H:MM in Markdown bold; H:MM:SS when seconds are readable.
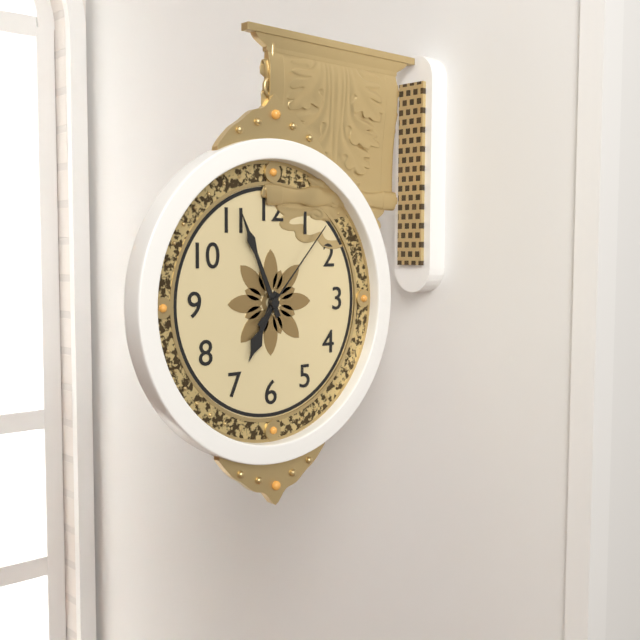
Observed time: **6:56:07**
